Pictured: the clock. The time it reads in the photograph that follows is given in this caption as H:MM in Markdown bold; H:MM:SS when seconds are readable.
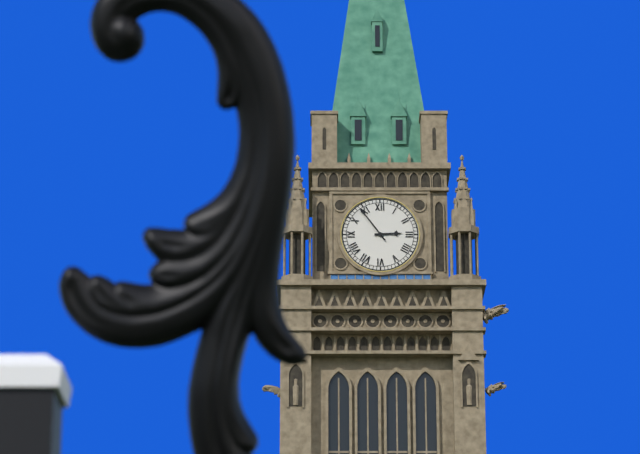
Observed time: **2:54**
